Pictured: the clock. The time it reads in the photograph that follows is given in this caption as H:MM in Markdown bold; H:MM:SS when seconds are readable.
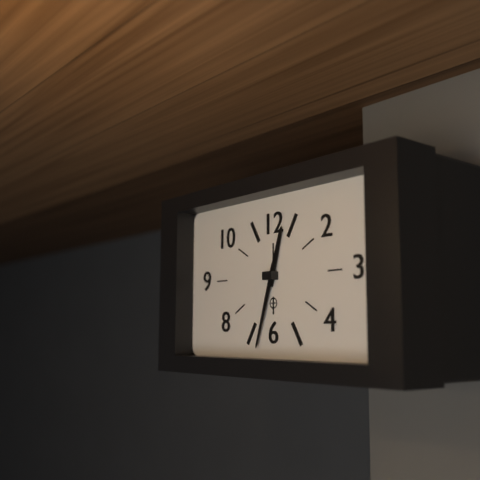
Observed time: **12:33**
